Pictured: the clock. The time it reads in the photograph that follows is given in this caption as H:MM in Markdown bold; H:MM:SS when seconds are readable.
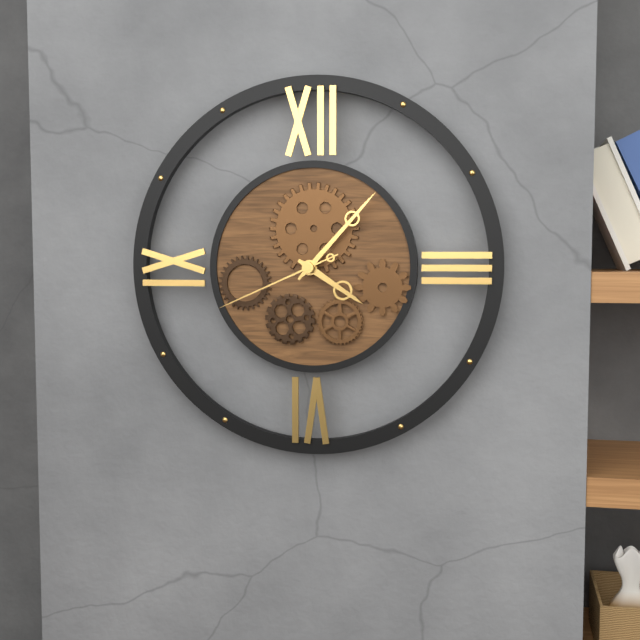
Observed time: **4:07:41**
